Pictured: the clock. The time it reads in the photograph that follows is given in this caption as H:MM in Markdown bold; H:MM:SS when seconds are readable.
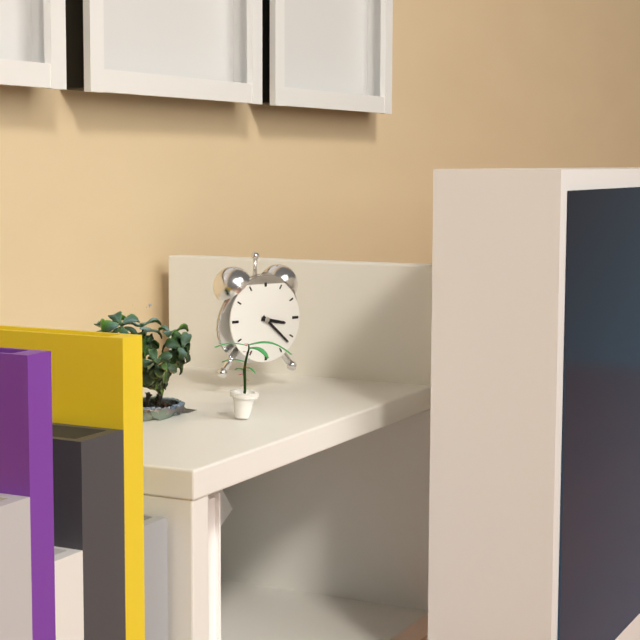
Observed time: **3:22**
